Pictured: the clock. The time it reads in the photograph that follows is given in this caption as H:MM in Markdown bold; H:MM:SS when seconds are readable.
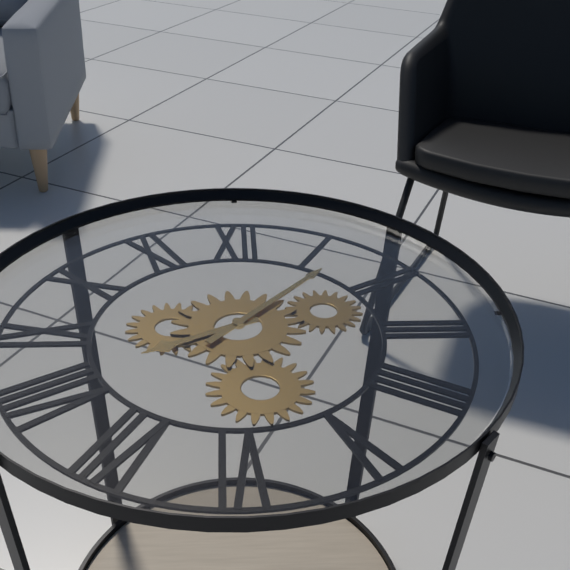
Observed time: **8:07**
